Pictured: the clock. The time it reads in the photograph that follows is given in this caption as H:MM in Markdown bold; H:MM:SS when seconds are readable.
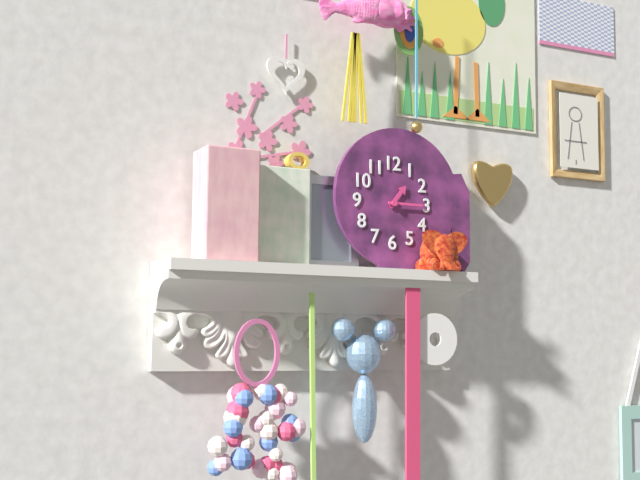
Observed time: **1:15**
